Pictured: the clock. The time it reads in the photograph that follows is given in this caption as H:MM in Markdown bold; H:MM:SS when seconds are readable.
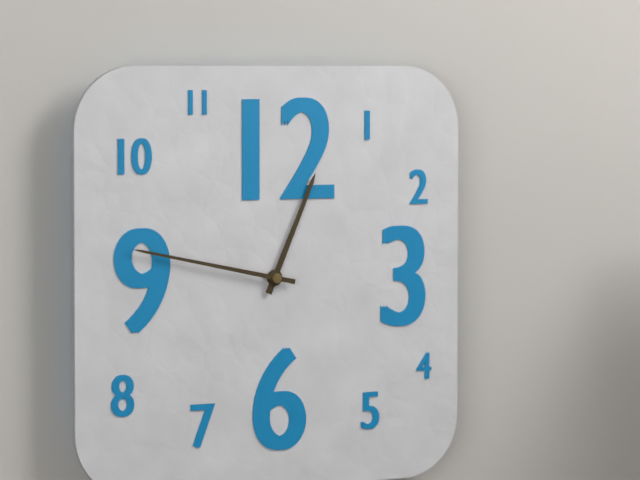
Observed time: **12:47**
